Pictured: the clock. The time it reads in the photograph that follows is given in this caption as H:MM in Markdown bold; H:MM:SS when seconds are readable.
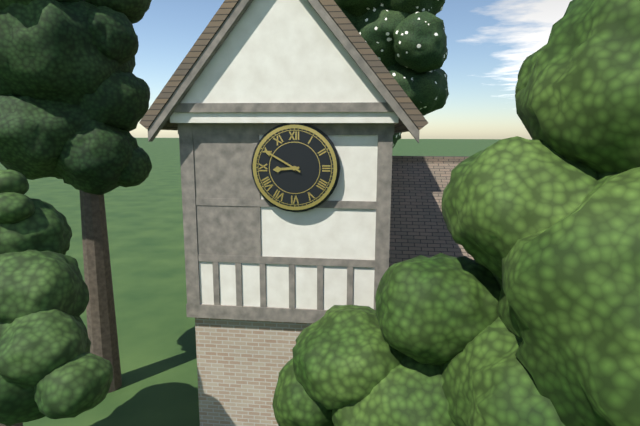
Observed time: **8:50**
